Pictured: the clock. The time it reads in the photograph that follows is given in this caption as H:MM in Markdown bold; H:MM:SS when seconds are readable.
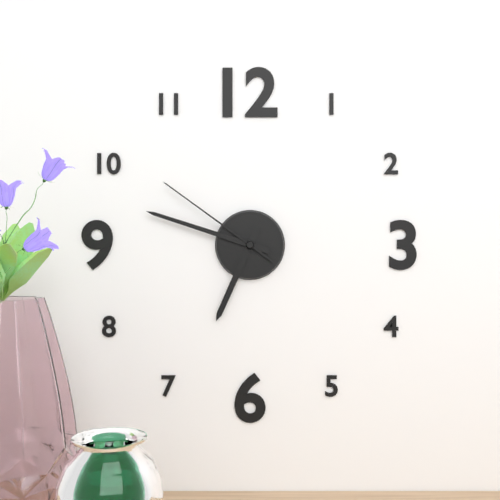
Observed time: **6:48:51**
